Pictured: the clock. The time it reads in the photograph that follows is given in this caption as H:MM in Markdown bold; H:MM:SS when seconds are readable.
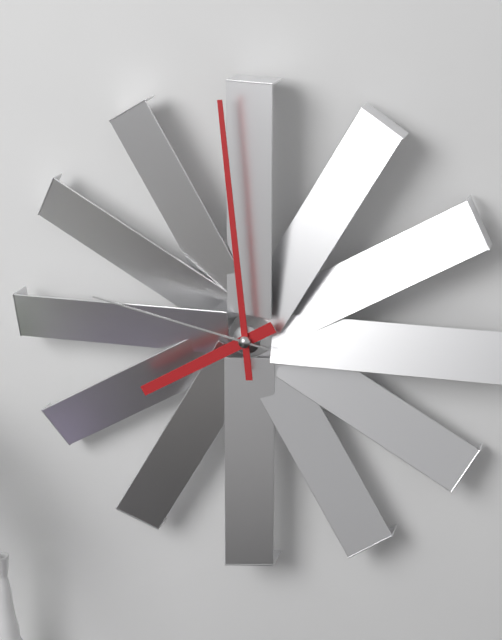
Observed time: **7:59:47**
